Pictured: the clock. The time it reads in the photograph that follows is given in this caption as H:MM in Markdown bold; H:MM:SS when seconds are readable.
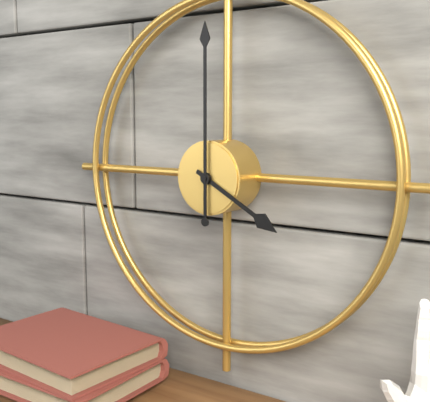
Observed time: **4:00**
